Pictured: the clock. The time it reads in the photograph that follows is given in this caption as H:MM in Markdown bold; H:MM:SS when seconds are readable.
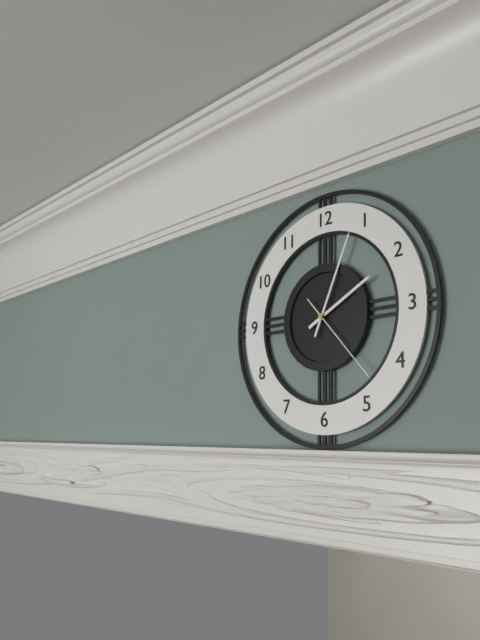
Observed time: **2:04:23**
